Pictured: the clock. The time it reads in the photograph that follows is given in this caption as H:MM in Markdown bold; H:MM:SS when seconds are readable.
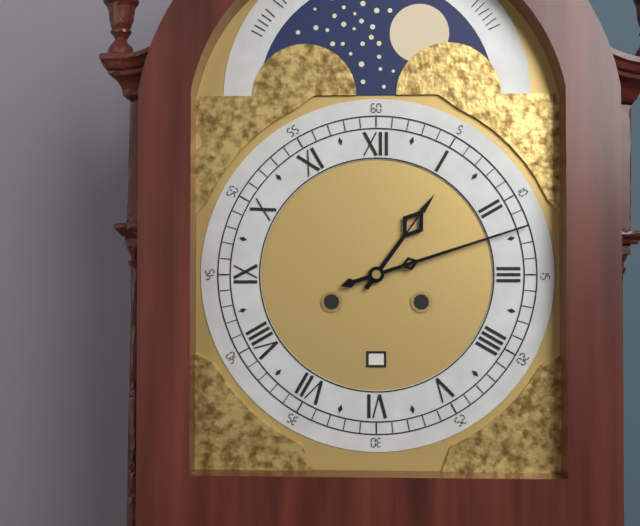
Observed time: **1:12**
